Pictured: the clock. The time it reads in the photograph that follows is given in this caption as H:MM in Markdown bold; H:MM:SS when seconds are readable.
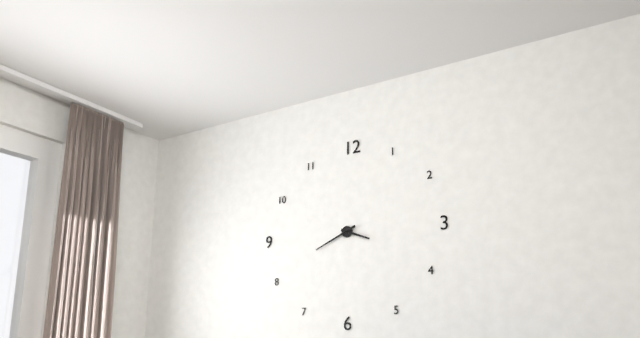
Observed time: **3:41**
